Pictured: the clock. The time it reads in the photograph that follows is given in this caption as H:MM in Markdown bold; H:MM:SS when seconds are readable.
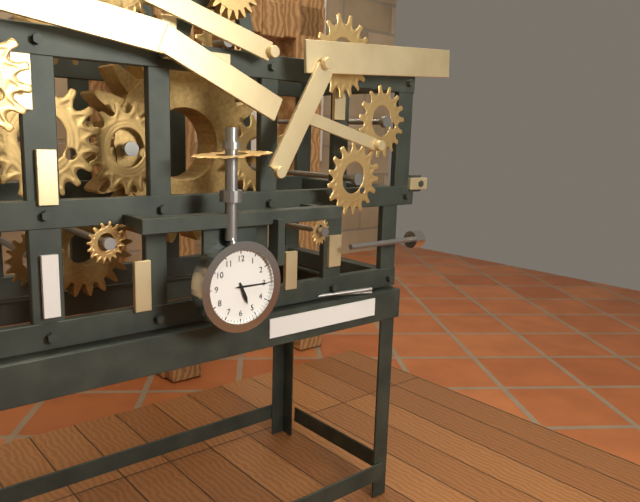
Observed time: **5:15**
